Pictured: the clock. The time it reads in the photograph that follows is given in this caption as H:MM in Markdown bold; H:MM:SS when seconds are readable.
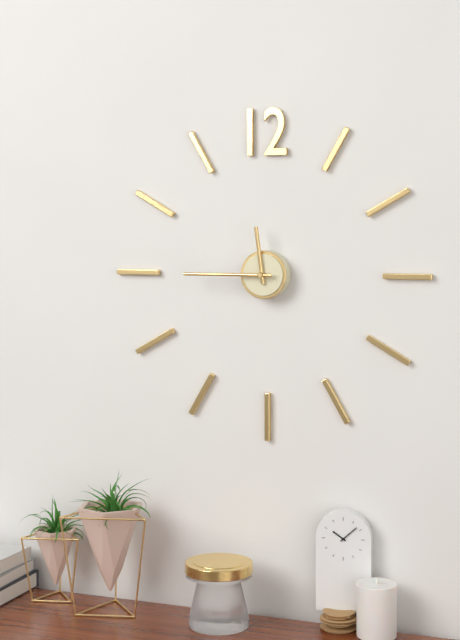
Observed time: **11:45**
